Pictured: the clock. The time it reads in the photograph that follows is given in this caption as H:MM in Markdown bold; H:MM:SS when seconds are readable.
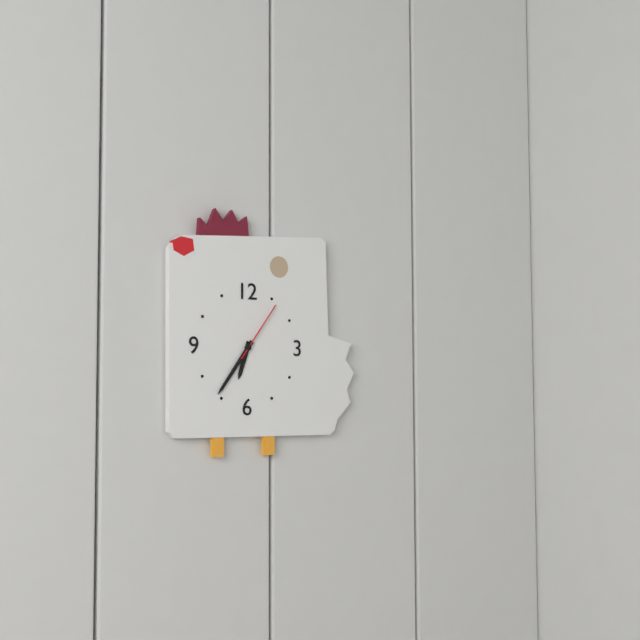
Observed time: **6:36:06**
